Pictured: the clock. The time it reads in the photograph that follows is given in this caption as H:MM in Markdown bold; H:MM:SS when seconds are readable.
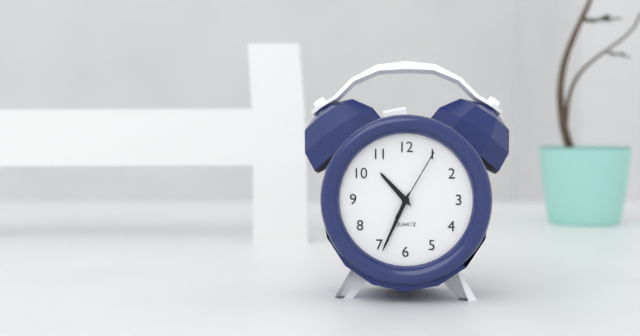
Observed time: **10:34:05**
